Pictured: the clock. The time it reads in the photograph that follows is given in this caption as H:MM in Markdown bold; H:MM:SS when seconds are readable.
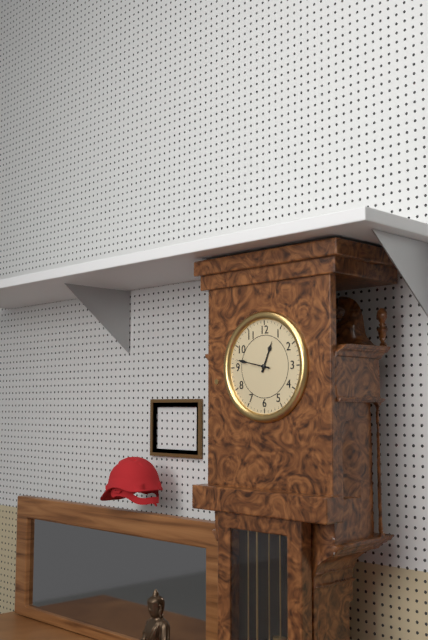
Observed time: **12:47**
